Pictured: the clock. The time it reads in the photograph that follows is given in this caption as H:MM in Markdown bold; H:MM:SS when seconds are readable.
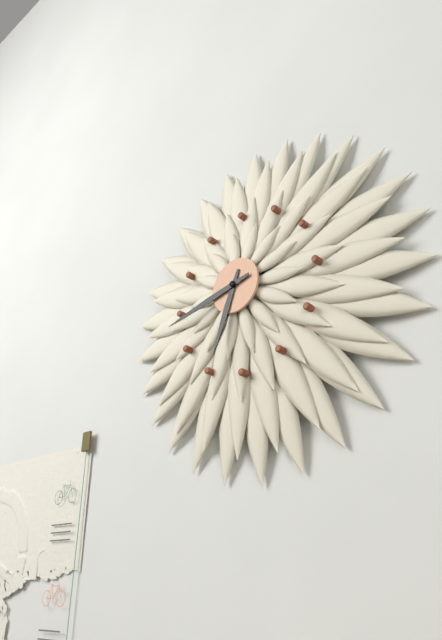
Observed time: **6:43**
